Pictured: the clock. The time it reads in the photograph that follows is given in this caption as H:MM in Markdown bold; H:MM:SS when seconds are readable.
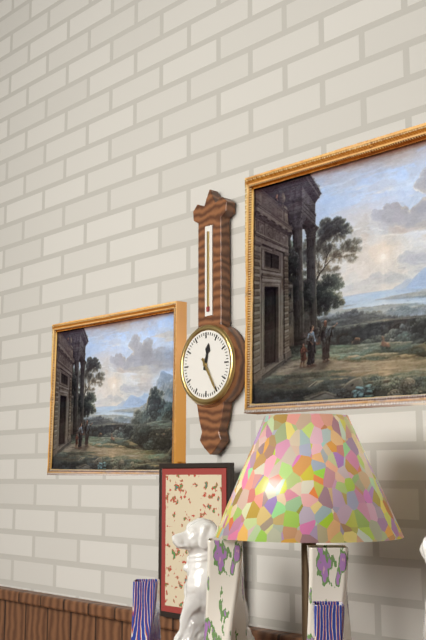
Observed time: **12:25**
